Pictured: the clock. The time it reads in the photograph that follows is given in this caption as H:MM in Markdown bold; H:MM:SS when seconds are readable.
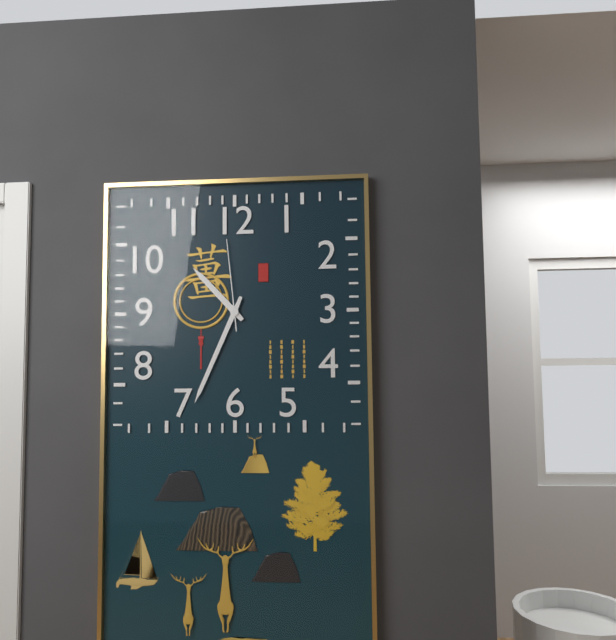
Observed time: **10:34:59**
